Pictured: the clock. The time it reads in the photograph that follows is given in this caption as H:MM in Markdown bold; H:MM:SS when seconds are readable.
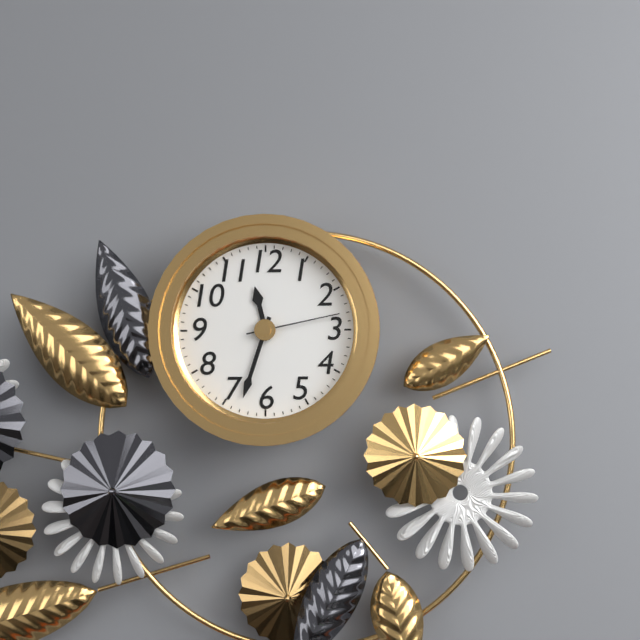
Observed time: **11:33:13**
